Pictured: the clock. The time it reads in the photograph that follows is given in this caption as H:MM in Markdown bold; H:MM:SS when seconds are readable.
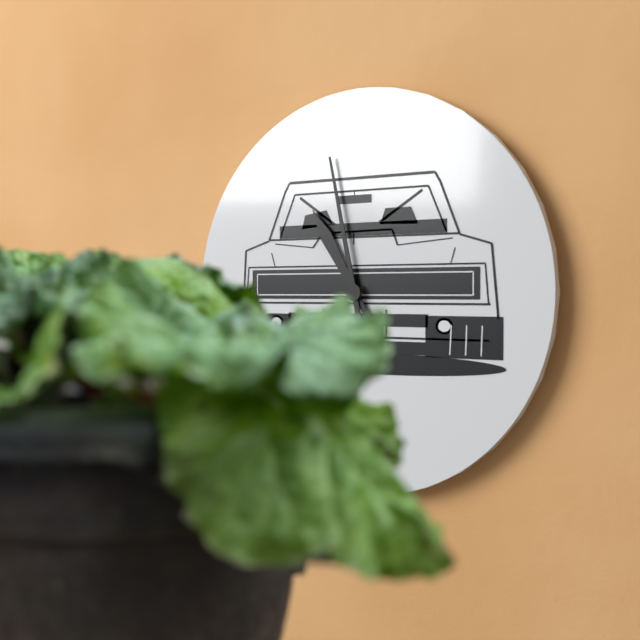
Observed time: **10:58**
